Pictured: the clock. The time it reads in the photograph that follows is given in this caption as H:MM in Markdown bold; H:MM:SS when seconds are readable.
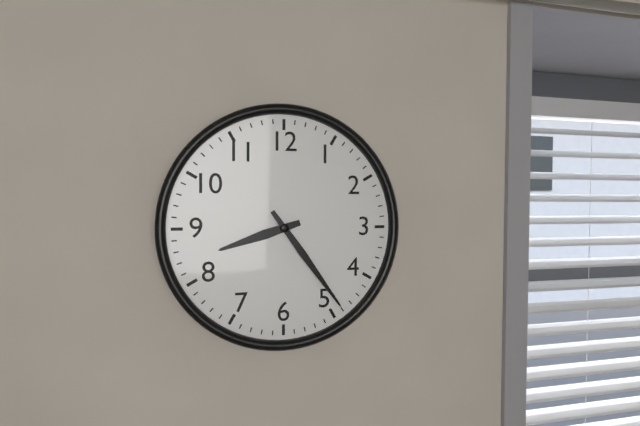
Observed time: **8:24**
